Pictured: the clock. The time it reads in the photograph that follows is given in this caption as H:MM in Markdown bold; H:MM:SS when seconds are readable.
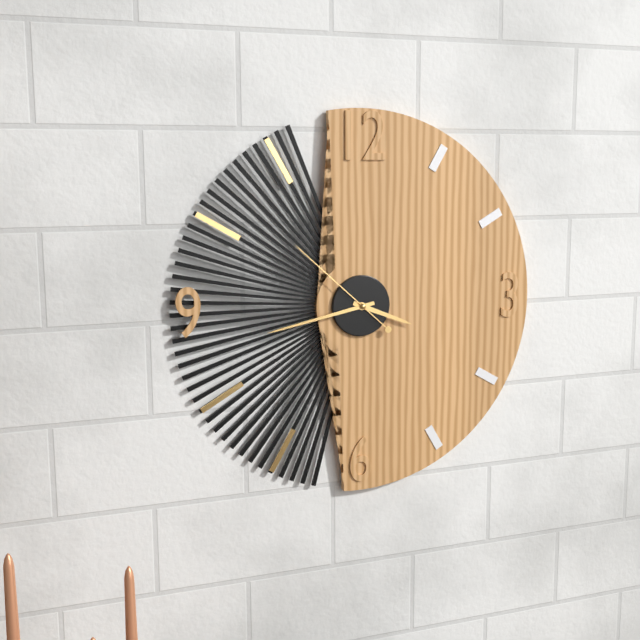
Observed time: **3:43:52**
